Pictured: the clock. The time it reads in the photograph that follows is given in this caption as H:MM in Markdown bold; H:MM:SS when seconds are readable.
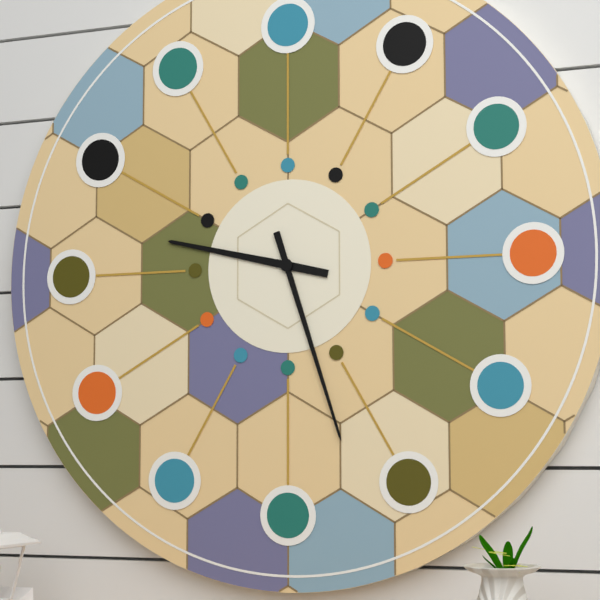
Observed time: **9:27**
